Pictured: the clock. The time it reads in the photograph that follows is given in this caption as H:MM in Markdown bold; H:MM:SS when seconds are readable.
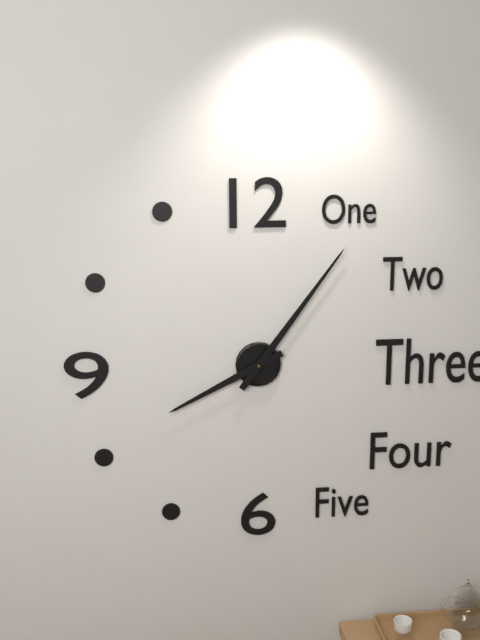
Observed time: **8:06**
